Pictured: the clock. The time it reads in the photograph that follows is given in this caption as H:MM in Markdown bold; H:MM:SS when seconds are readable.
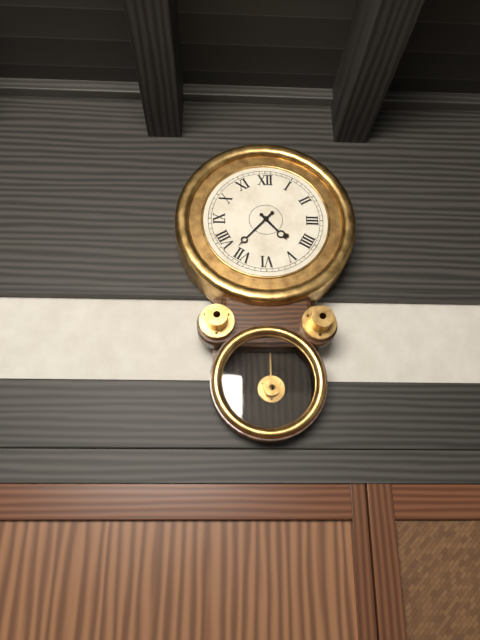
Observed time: **4:37**
